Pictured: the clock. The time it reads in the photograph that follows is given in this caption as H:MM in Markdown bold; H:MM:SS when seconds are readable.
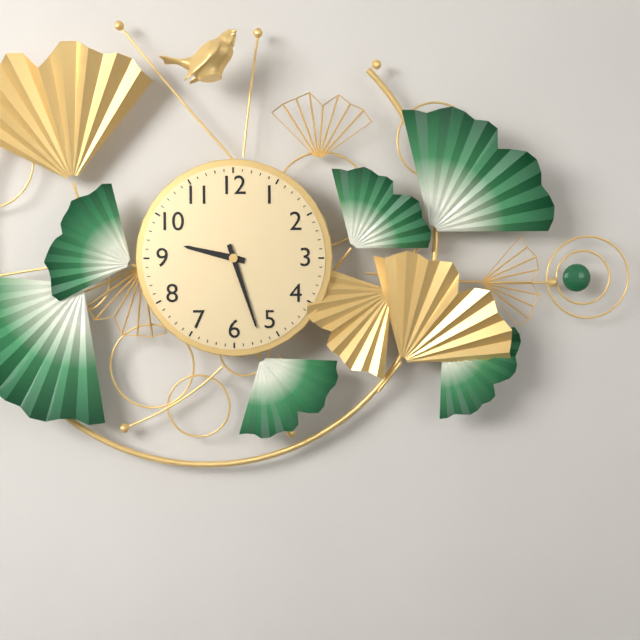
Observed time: **9:27**
